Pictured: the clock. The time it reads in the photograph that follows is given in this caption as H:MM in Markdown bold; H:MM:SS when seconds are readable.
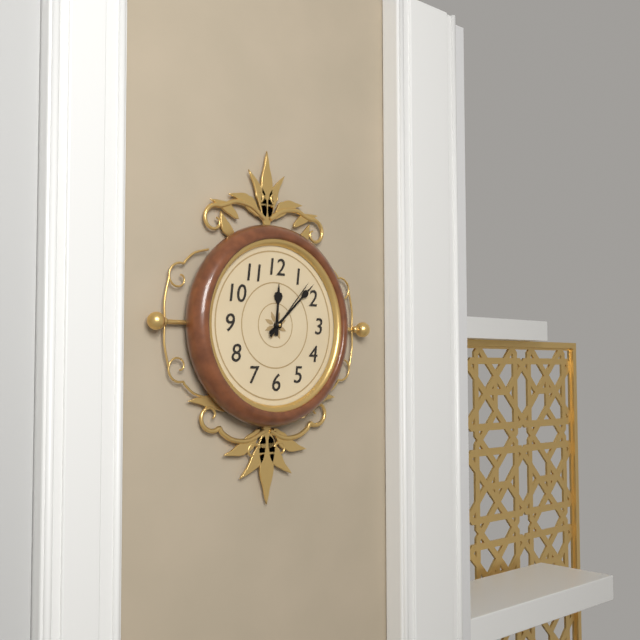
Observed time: **12:08:07**
